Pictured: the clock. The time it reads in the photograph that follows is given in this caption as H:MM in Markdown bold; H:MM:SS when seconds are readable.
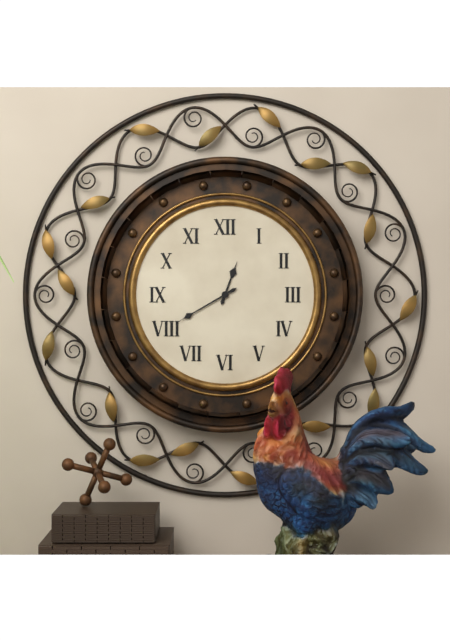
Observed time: **12:40**
